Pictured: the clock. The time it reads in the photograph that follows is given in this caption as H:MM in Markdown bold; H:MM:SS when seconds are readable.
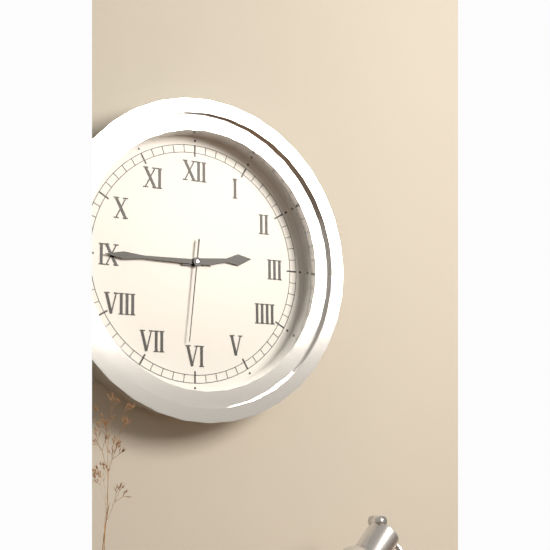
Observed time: **2:45:31**
